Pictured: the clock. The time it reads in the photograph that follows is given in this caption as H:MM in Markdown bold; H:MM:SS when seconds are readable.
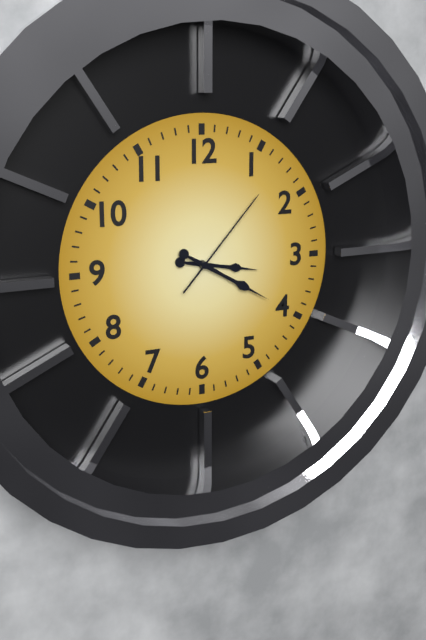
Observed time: **3:20:07**
